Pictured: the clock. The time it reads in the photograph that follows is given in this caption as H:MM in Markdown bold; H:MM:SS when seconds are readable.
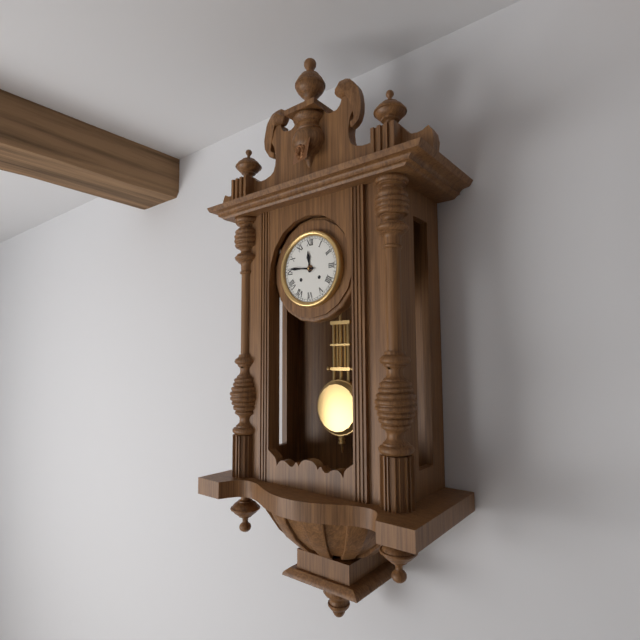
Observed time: **11:46**
